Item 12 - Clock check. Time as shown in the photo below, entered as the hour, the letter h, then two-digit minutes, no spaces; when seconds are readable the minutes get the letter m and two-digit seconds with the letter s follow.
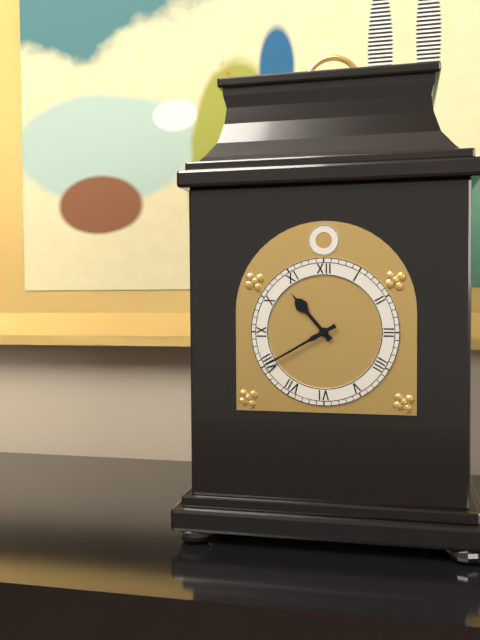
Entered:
10h40
